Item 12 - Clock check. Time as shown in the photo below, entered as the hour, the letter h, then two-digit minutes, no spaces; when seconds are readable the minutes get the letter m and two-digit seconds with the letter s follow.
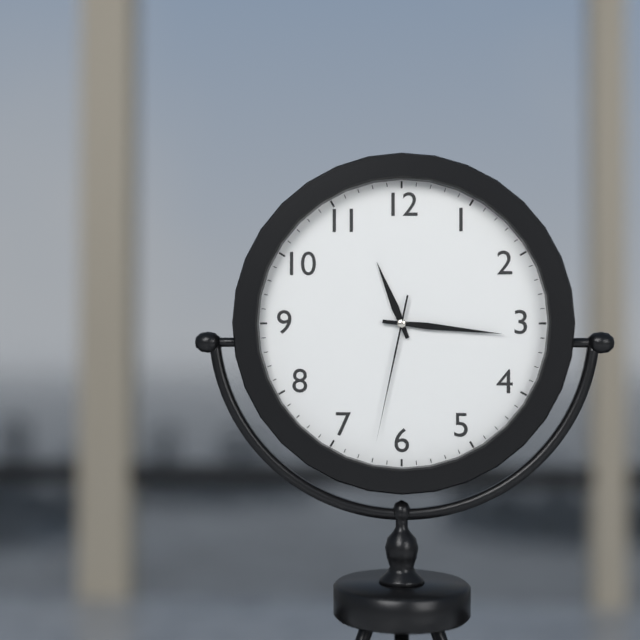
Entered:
11h16m32s
